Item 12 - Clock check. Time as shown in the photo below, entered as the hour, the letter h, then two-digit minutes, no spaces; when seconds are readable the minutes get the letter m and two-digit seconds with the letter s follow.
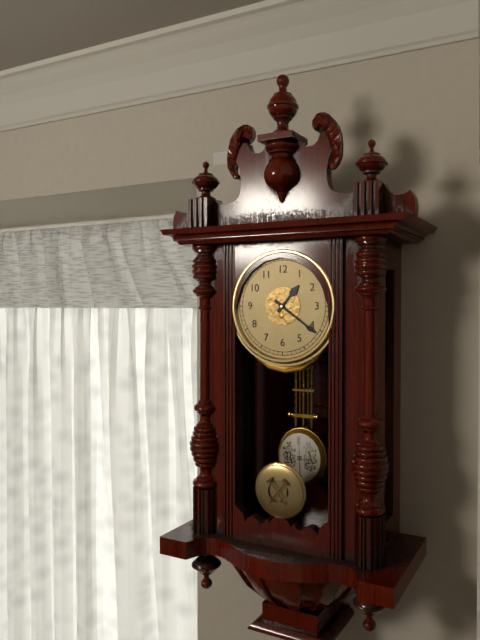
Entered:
1h21
